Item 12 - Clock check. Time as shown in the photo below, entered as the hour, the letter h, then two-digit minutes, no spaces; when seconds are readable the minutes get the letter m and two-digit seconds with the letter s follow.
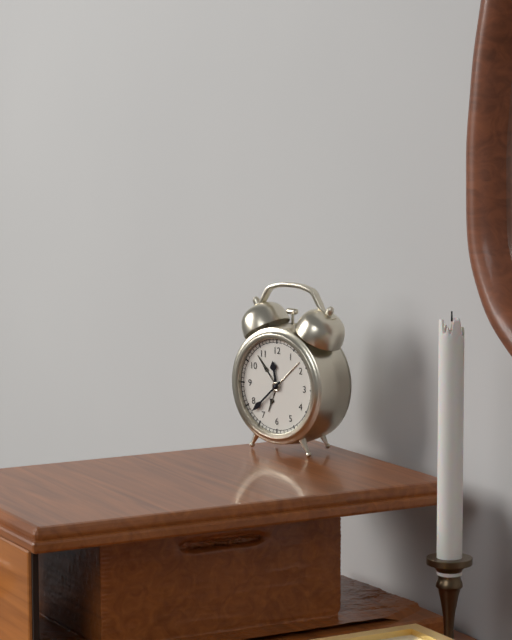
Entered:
11h38
